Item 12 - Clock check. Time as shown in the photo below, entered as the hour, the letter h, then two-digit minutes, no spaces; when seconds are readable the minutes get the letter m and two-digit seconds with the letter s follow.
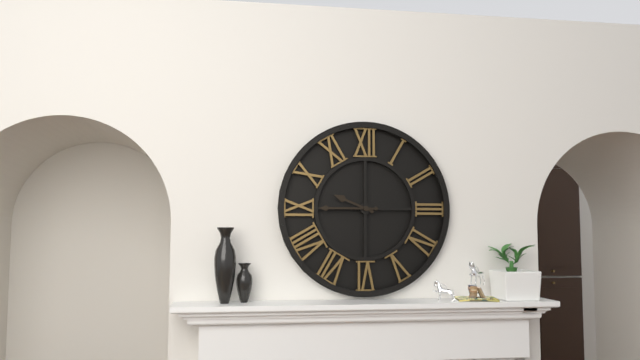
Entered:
9h45
